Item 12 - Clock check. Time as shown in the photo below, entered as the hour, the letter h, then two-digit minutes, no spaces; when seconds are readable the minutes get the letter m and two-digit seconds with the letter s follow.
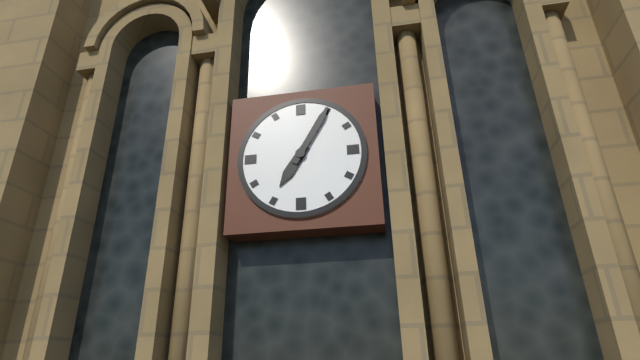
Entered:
7h05
